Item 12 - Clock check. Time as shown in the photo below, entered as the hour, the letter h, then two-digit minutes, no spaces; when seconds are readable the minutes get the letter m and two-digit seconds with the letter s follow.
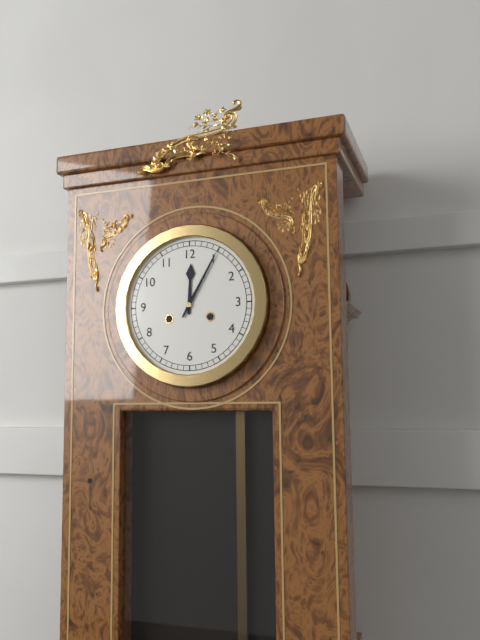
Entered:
12h05
